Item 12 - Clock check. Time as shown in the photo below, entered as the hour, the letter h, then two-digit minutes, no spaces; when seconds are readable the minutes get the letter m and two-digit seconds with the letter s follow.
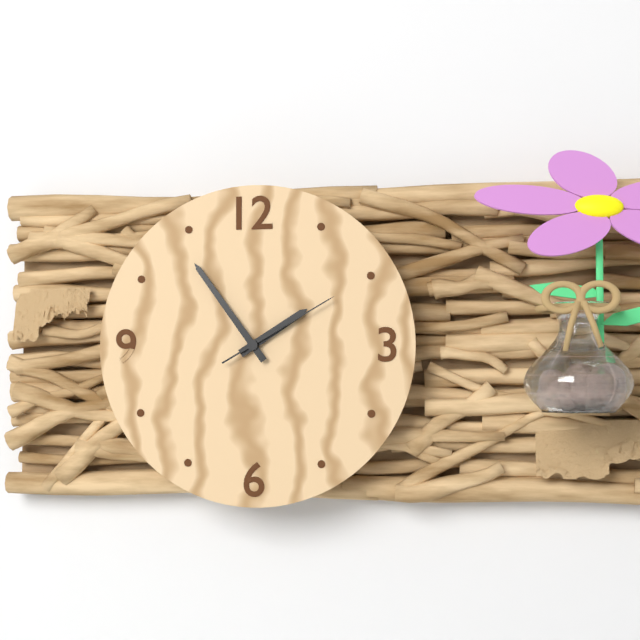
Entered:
1h54m10s
